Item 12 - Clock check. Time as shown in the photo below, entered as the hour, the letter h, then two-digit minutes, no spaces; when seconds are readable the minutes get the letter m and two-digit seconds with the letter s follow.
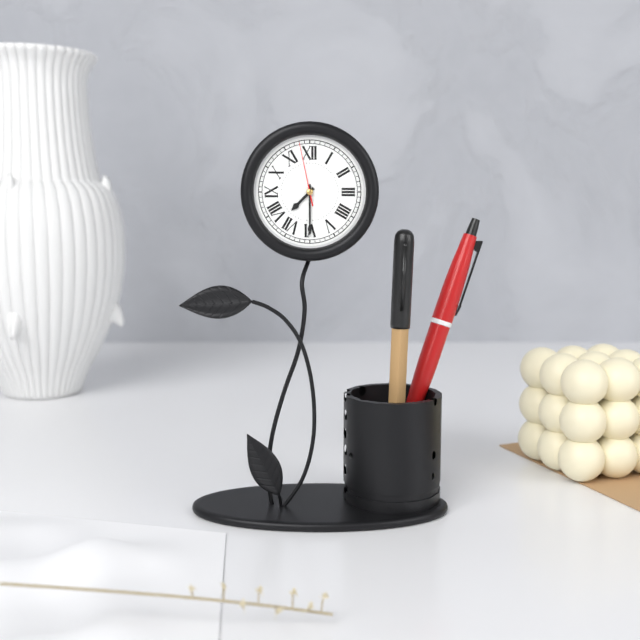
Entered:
7h30m58s
